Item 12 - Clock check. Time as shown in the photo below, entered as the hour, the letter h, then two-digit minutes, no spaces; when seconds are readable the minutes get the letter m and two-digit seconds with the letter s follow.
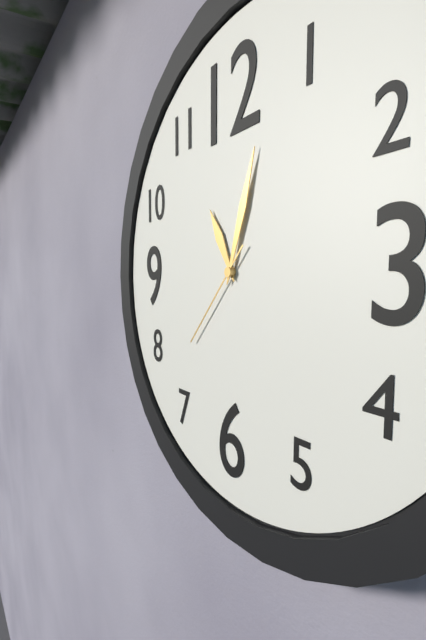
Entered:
11h03m37s
